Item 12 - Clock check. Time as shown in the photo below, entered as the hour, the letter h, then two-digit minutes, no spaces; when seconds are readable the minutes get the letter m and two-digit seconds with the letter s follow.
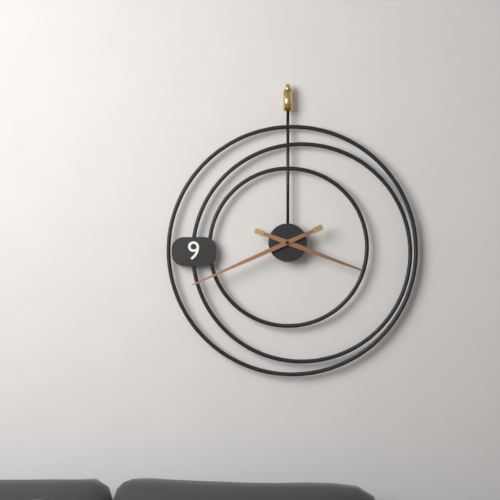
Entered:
3h41
